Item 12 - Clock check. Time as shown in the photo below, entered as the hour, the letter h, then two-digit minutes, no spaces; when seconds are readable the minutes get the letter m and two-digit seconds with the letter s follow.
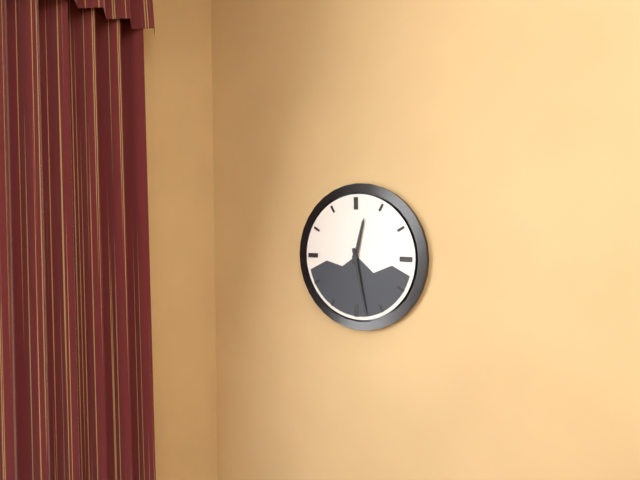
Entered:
12h28
